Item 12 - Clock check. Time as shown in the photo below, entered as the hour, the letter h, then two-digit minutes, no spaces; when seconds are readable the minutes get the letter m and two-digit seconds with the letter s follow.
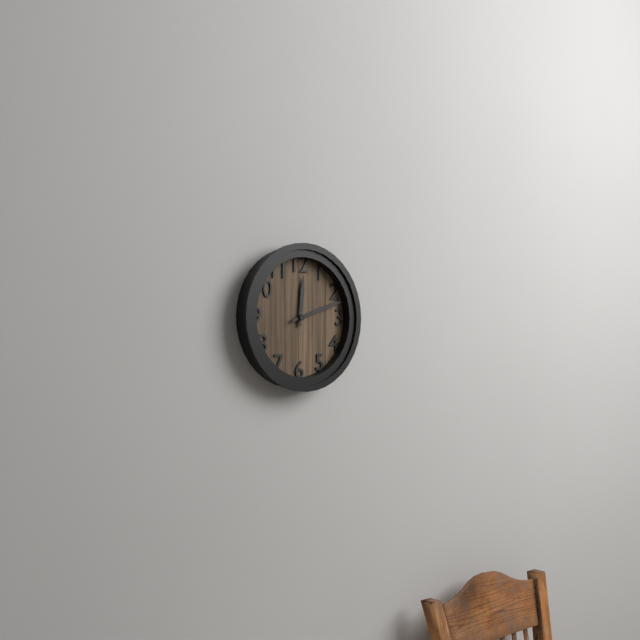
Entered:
12h12
